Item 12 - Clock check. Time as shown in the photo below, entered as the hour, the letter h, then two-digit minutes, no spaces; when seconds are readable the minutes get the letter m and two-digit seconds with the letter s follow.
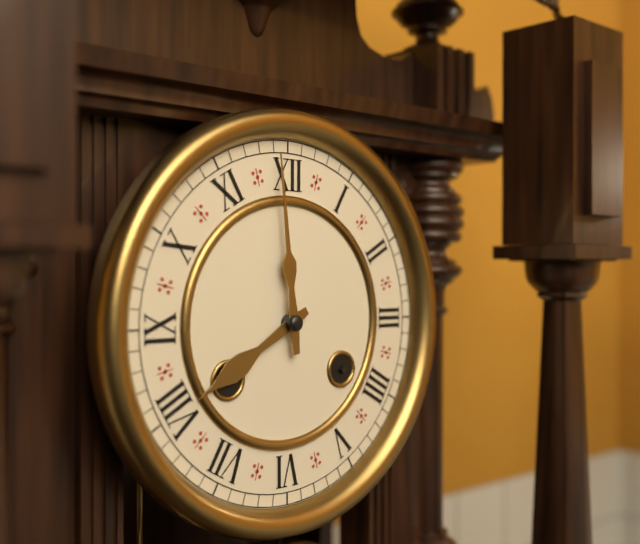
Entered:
7h59
